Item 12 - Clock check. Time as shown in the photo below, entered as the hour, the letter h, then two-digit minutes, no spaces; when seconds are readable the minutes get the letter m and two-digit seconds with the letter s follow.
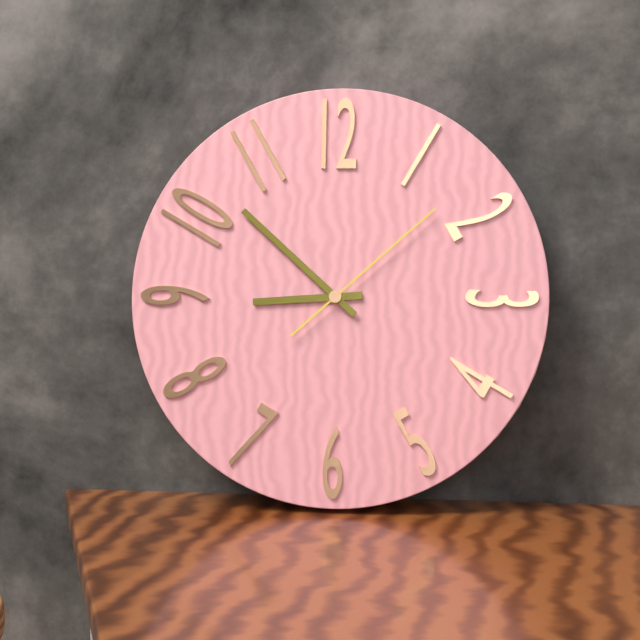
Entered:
8h52m08s
